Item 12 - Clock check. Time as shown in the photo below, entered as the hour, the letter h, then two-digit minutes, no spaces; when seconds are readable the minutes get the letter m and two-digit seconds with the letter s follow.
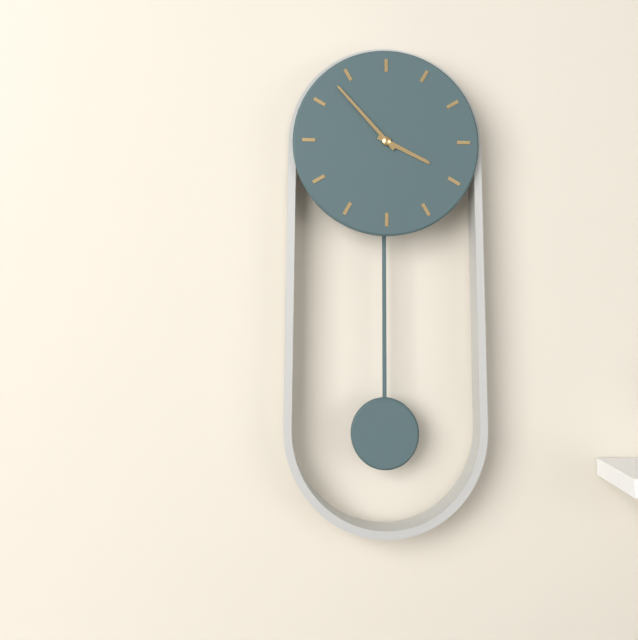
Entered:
3h53
